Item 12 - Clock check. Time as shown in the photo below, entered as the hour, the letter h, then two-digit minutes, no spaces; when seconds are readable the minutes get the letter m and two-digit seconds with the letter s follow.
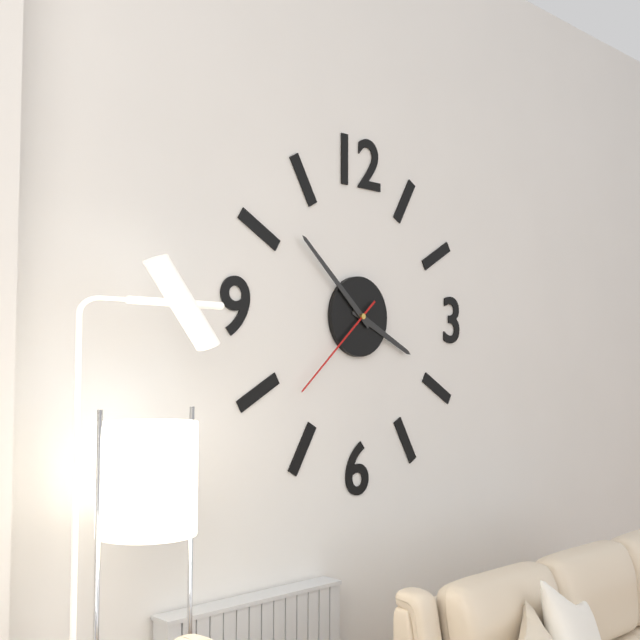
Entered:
3h52m38s
